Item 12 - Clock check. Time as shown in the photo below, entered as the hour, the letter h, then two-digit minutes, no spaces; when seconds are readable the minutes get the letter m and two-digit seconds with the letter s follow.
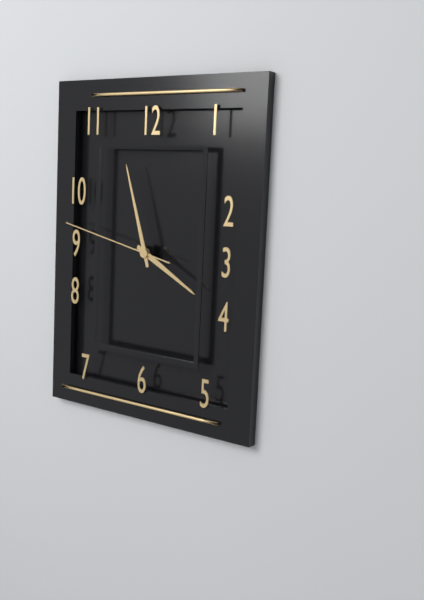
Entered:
3h57m47s
